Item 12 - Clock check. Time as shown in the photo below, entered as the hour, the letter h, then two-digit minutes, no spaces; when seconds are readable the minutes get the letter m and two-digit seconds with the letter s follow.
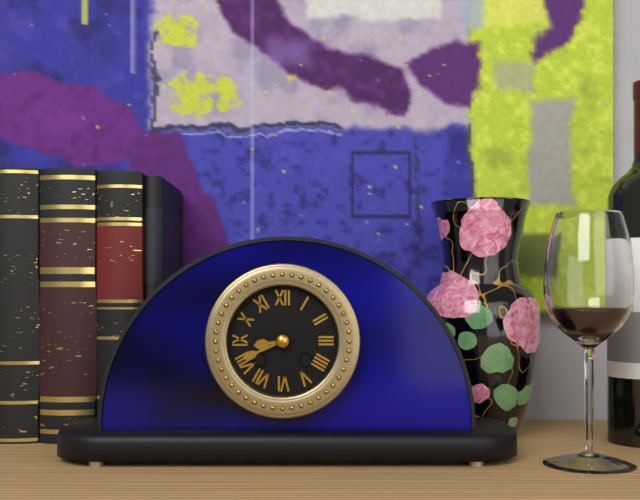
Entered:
8h41
